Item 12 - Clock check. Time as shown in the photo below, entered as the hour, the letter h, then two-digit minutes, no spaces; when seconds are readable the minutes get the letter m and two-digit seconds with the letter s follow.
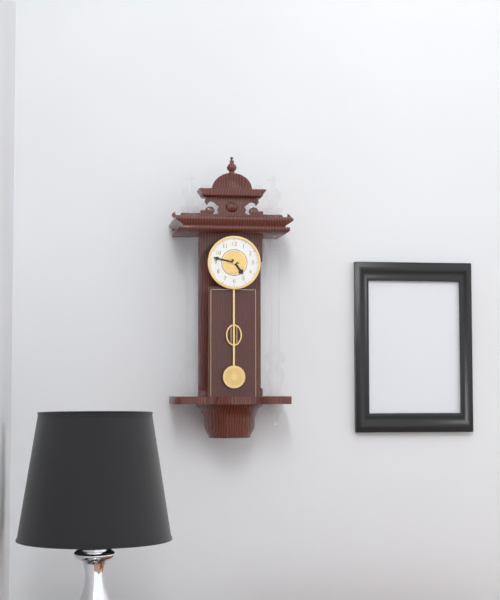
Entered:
4h47
